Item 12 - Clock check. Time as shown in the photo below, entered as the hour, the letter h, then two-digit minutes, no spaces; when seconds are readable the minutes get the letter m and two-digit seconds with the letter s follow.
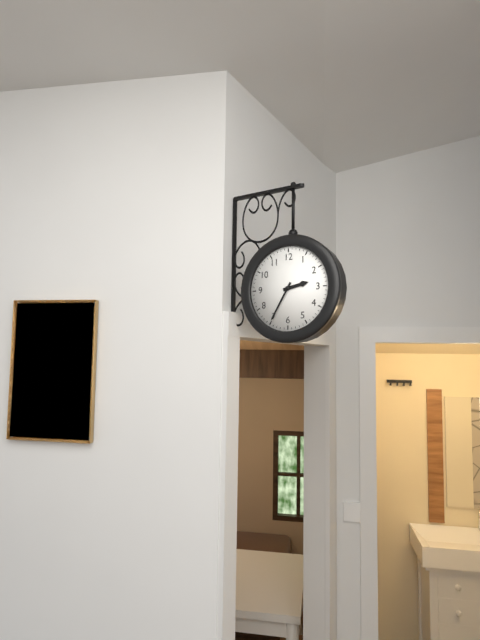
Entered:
2h35
